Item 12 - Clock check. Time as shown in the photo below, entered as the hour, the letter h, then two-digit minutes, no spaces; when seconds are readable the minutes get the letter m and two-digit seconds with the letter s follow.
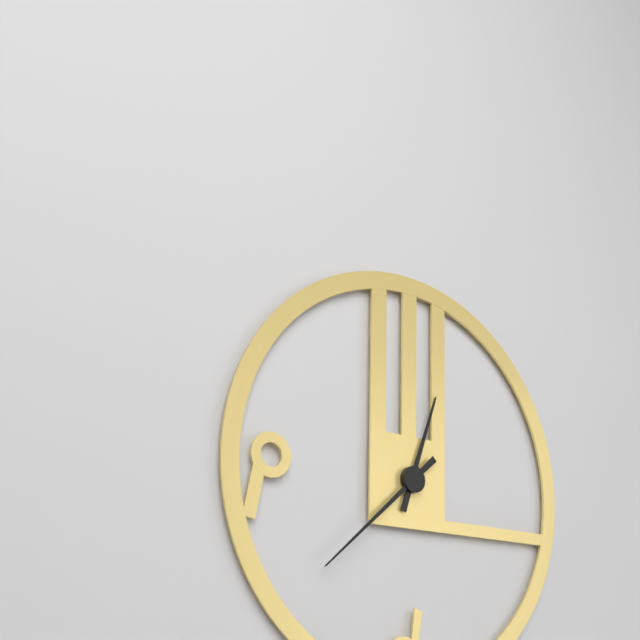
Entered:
12h38
